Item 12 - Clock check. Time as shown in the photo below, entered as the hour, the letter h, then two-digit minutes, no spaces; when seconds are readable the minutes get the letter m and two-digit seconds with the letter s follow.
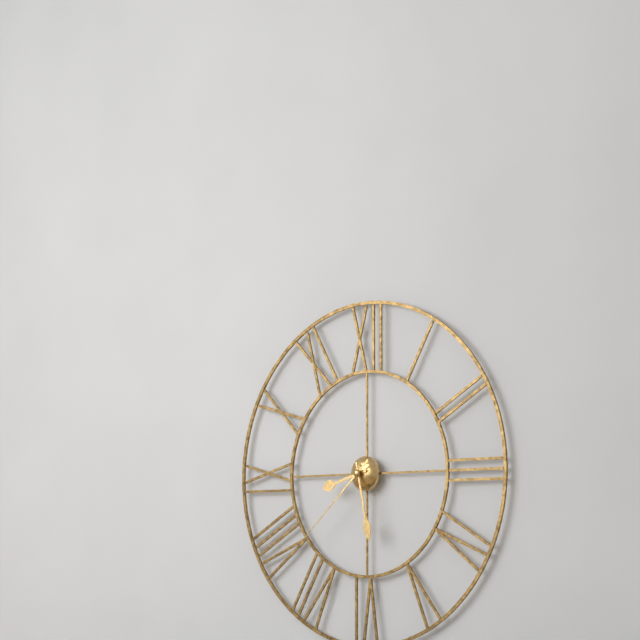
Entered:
8h28m38s
